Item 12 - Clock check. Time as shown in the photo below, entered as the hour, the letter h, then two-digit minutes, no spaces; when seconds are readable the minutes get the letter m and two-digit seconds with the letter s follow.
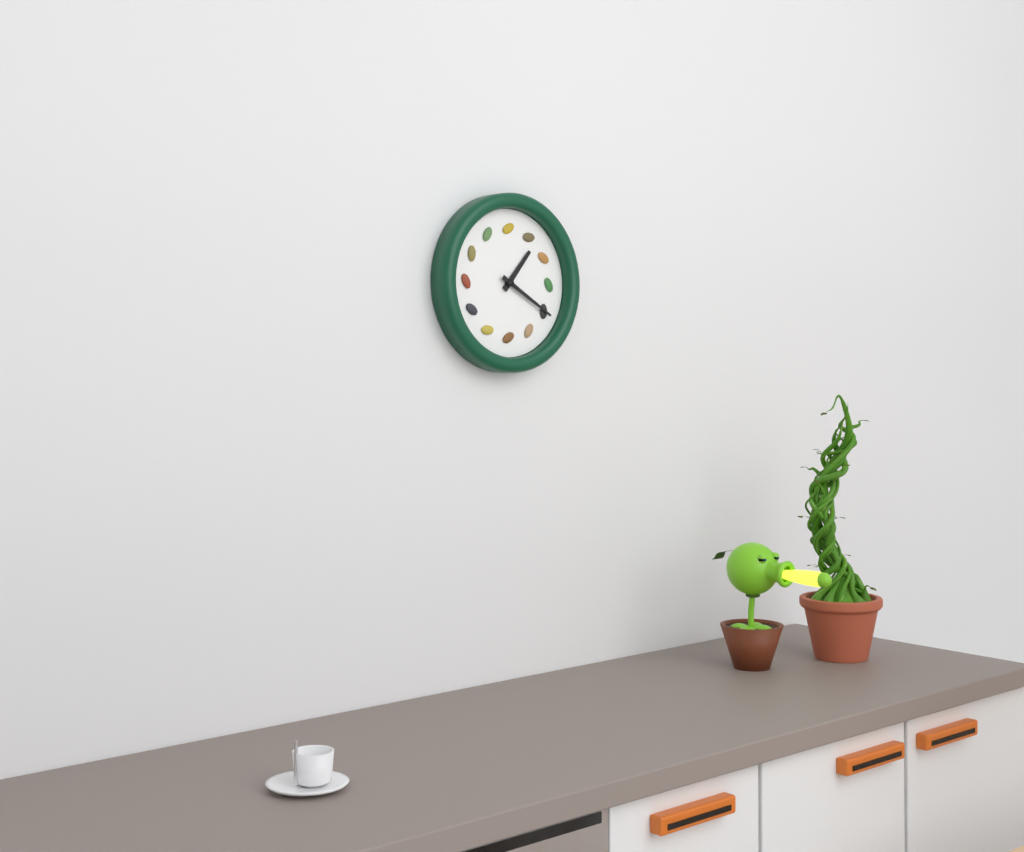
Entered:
1h20
